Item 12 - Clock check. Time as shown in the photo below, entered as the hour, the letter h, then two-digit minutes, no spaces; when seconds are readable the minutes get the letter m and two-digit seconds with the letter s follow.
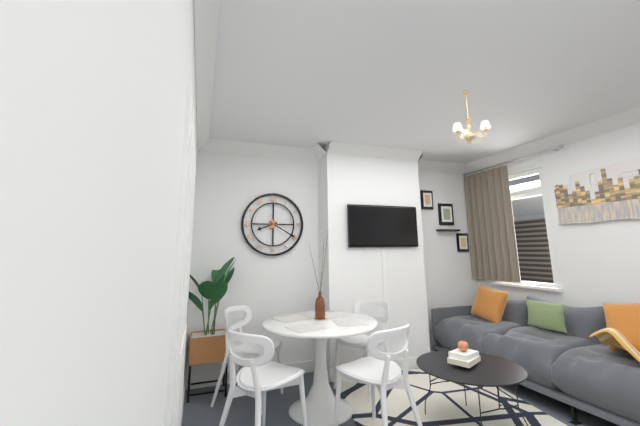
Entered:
8h20
